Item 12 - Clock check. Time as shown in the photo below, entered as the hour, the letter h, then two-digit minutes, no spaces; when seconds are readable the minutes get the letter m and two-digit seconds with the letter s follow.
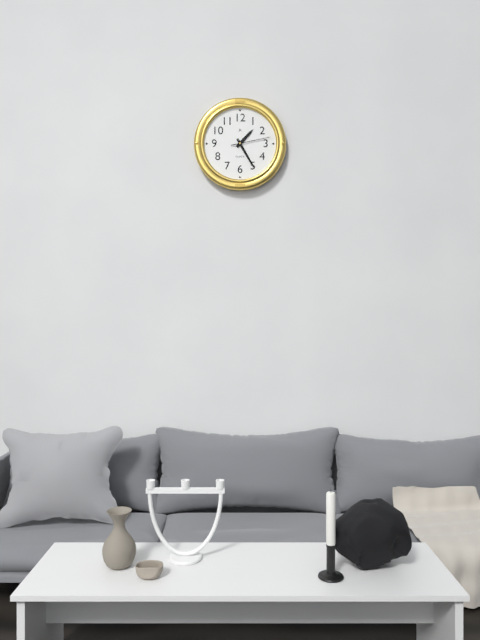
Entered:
1h25
